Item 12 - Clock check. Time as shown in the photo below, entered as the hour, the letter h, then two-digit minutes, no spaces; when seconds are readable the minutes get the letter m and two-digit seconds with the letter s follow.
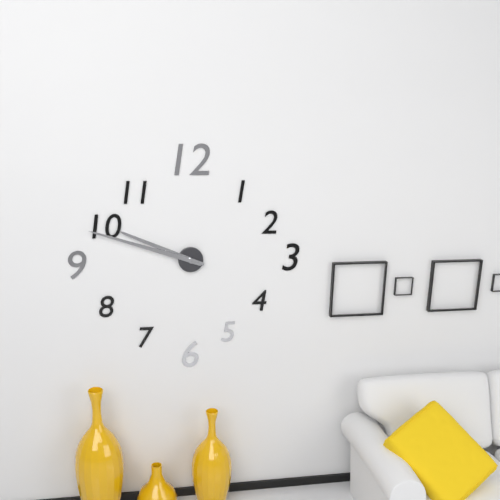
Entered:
9h48
